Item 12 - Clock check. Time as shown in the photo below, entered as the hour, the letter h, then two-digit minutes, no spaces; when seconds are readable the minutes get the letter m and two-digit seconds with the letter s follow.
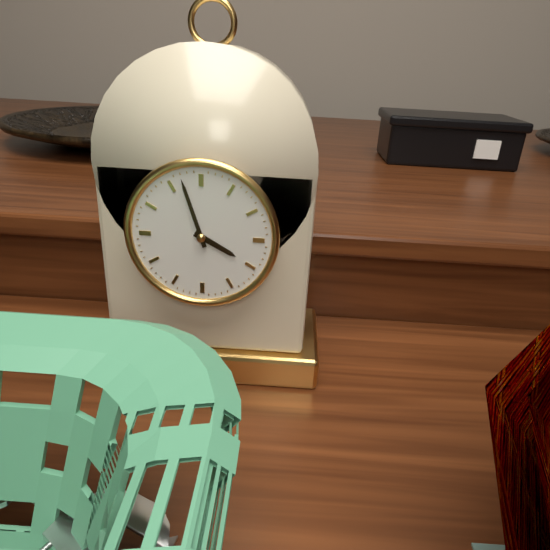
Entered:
3h57
